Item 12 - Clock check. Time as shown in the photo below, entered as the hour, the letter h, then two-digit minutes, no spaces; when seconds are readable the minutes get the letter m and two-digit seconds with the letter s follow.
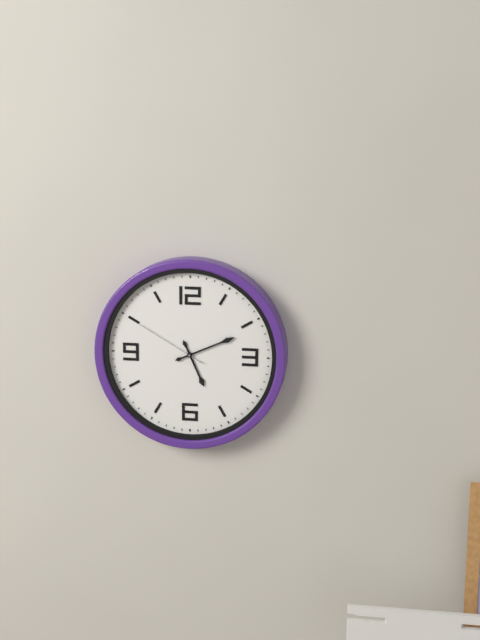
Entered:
5h11m50s
